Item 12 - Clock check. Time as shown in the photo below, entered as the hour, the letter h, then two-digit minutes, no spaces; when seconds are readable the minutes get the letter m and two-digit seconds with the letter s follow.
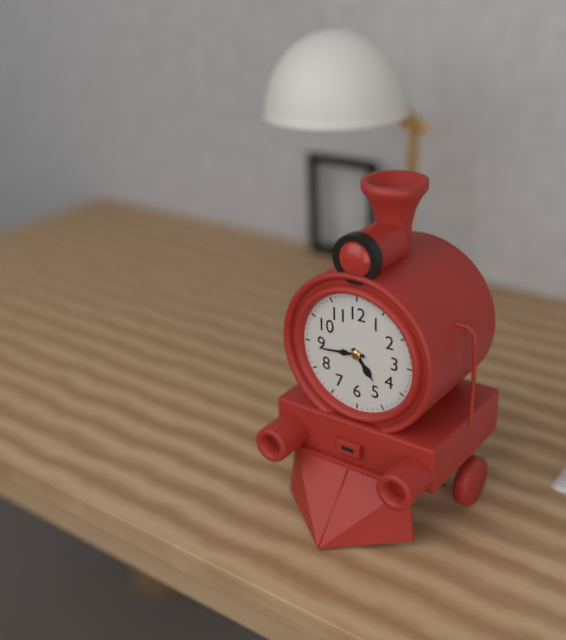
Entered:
4h44
